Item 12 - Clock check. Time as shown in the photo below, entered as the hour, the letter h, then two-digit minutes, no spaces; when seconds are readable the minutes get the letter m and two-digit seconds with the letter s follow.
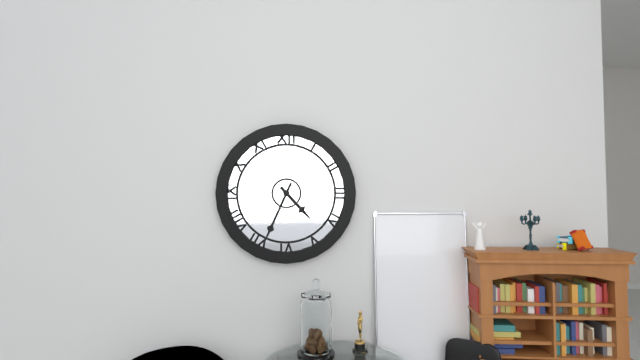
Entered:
4h34
